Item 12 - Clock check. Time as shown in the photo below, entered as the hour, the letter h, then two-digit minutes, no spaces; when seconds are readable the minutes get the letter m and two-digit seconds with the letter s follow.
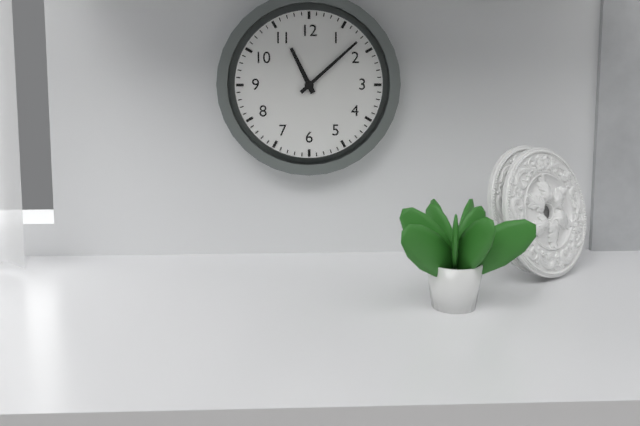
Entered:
11h08
